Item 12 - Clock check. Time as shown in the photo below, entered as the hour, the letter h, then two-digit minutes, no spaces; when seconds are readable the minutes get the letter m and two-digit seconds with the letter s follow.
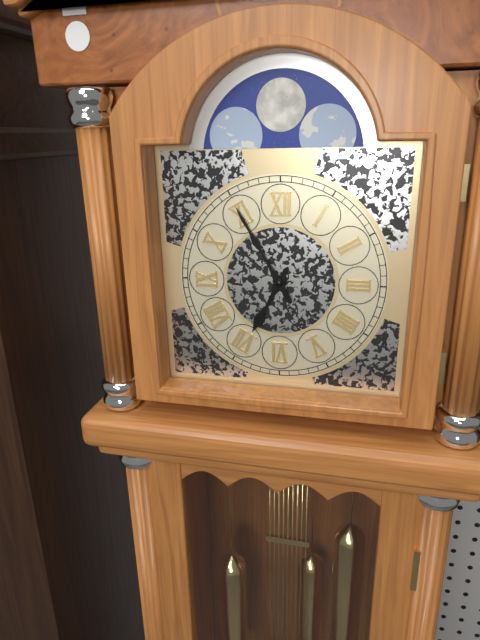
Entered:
6h55
